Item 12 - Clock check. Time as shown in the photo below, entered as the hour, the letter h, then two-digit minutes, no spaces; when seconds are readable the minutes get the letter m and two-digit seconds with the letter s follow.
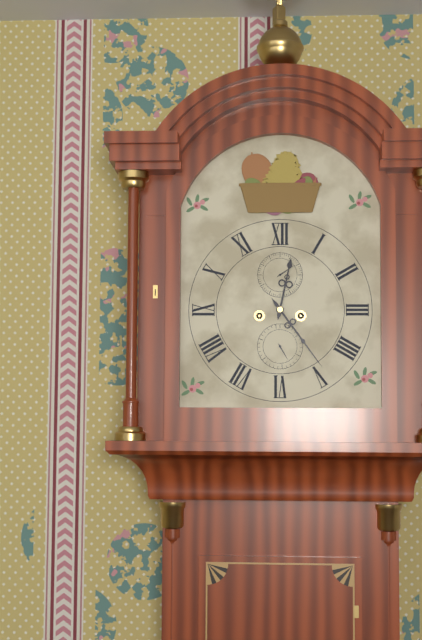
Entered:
12h24
